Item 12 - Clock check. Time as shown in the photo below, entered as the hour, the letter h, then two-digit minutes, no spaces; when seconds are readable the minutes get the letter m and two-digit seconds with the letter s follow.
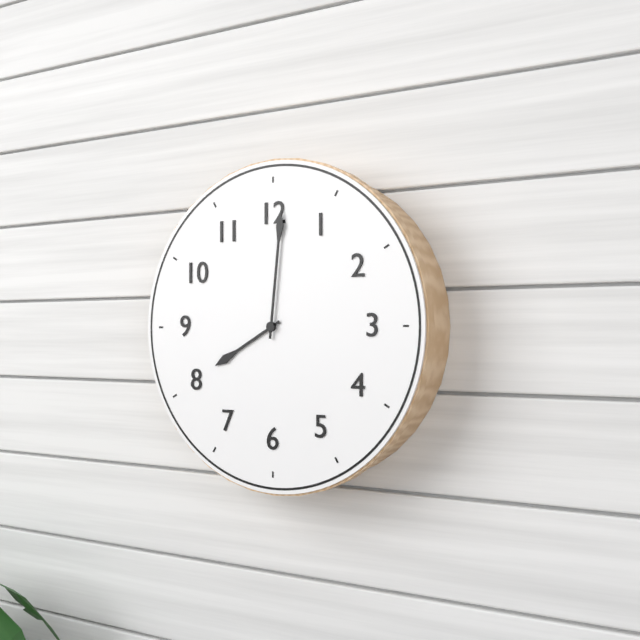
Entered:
8h01
